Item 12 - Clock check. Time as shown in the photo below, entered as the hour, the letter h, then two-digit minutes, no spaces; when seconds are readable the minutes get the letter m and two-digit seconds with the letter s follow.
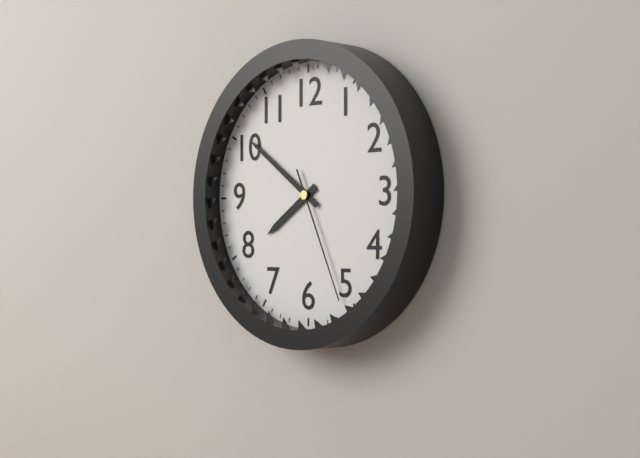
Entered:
7h51m26s
